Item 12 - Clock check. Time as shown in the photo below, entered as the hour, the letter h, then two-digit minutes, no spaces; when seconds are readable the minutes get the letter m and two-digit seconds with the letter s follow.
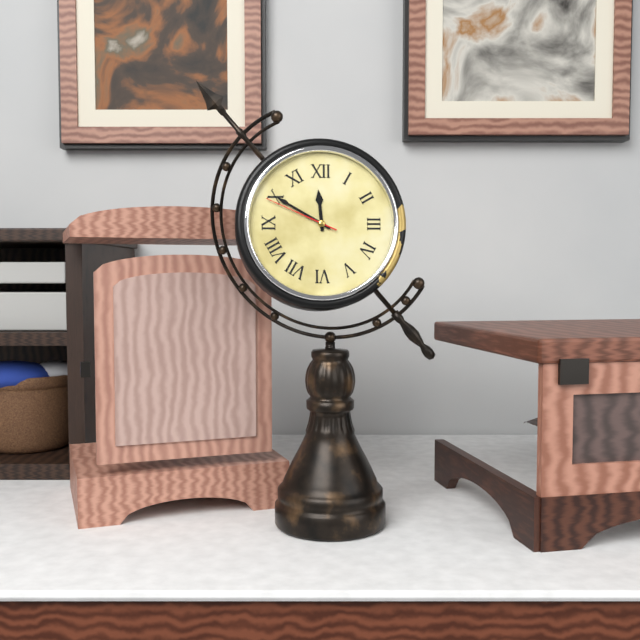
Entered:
11h50m49s
